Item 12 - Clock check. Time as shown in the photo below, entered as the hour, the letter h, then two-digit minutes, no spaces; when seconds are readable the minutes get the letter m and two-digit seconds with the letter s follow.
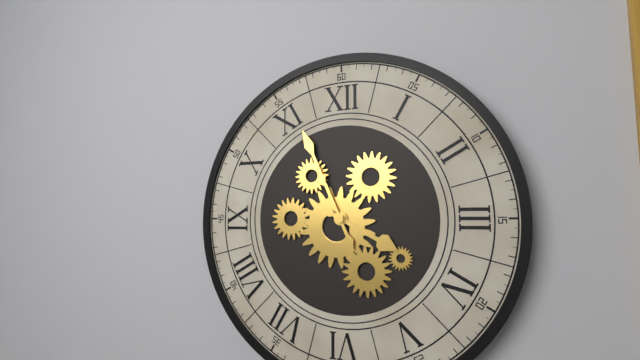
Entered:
3h56
